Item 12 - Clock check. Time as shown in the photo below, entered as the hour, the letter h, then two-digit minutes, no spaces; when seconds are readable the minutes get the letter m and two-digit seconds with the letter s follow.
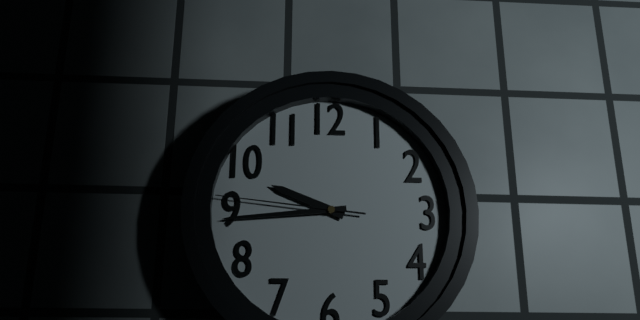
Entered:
9h44m46s
